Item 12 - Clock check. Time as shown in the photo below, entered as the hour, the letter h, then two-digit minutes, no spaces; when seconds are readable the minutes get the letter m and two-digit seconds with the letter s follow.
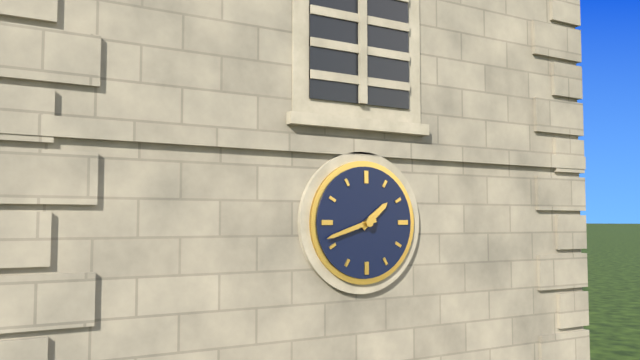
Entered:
1h42
